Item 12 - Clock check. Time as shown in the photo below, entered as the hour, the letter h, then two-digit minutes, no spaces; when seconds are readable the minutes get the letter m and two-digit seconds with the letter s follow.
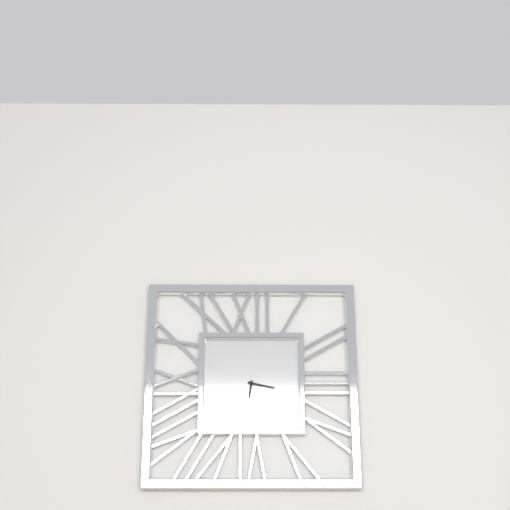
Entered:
6h17
